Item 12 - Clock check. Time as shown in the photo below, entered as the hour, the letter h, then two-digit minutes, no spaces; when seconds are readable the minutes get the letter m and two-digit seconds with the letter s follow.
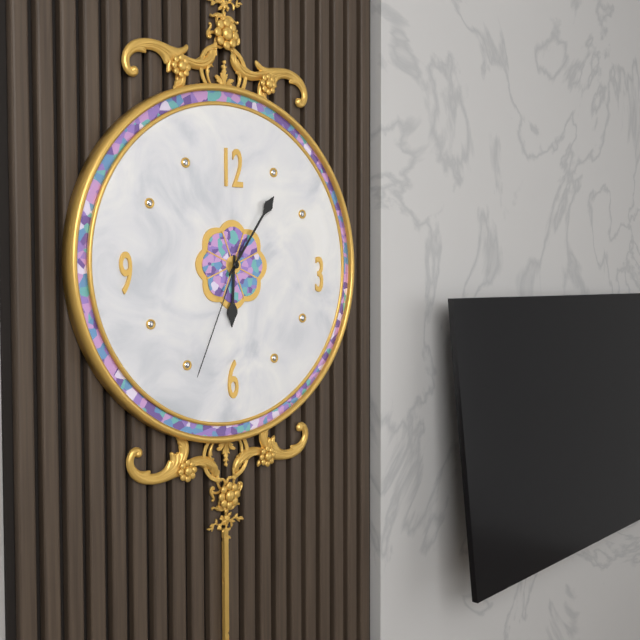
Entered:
6h06m34s
